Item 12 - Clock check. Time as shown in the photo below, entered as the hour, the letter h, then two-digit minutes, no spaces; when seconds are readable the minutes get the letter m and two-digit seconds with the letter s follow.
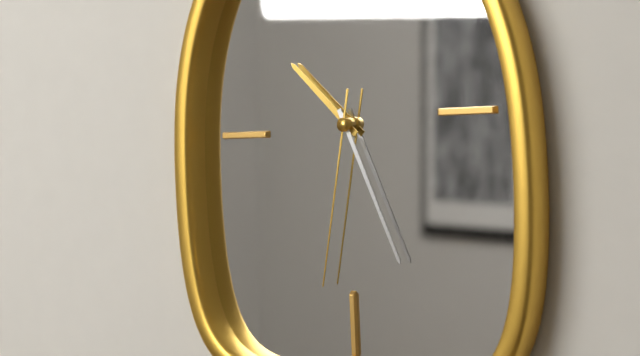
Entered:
10h26m32s
